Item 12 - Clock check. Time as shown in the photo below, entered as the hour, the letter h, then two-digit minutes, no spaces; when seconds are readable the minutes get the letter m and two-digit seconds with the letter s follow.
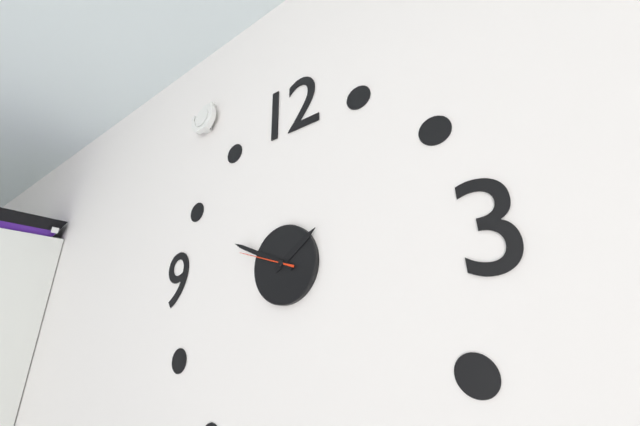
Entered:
1h49m48s
